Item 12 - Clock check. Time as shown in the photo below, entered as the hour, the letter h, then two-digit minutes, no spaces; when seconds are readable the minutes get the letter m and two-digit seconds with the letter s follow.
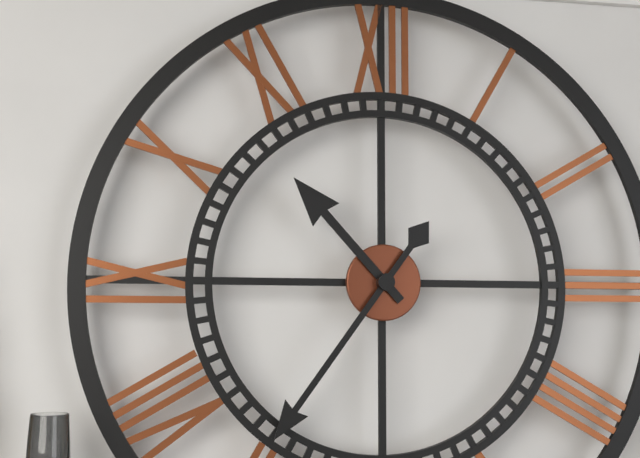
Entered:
10h36
